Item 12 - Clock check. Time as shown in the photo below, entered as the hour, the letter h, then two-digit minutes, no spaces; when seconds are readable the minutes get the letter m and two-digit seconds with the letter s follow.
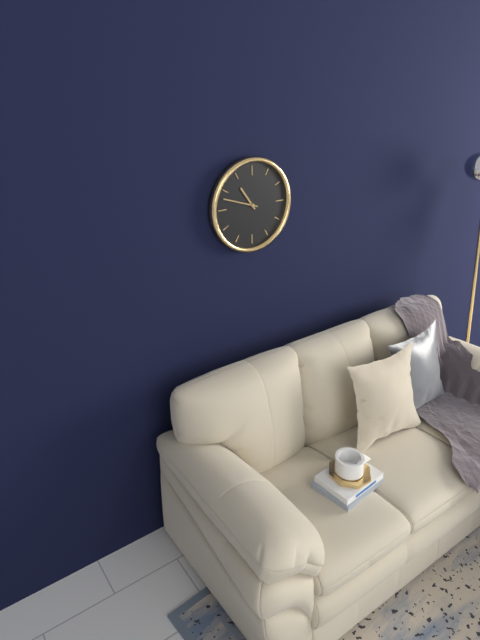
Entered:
10h48
